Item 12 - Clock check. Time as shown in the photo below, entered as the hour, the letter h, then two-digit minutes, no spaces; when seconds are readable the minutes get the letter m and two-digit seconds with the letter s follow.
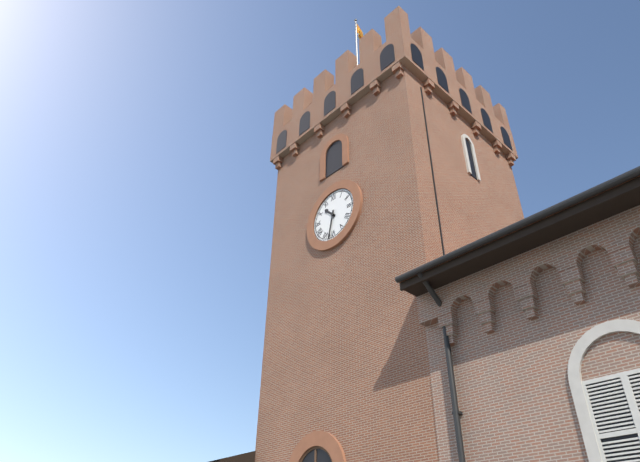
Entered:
10h32
